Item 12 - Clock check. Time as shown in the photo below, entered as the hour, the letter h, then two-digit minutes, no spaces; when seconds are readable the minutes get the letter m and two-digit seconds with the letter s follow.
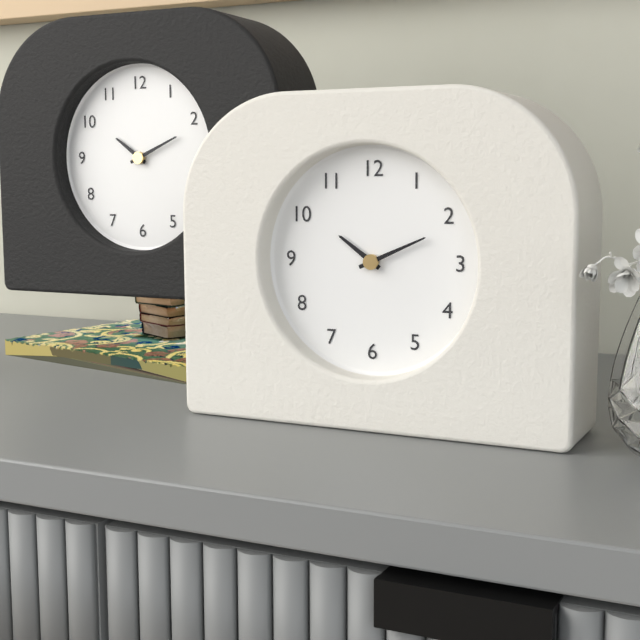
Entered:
10h11
